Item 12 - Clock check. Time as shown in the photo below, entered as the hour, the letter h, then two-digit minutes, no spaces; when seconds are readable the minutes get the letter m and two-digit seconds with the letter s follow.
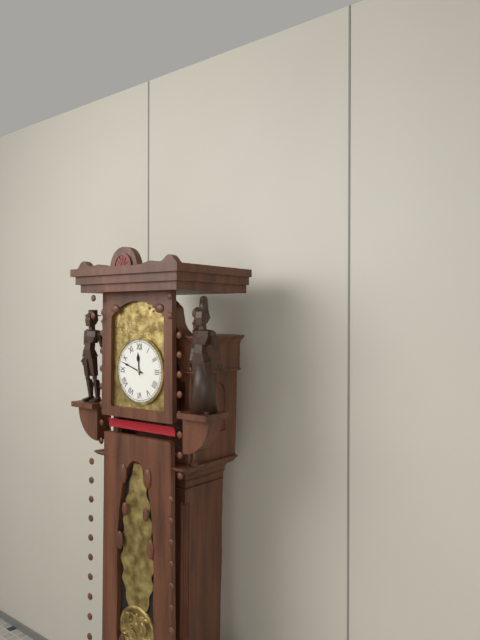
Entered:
11h48
